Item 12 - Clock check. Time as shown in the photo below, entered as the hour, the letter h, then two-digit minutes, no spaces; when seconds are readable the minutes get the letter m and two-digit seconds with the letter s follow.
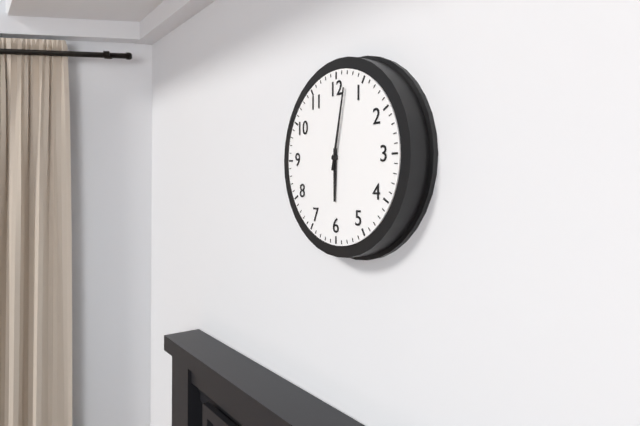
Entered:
6h02
